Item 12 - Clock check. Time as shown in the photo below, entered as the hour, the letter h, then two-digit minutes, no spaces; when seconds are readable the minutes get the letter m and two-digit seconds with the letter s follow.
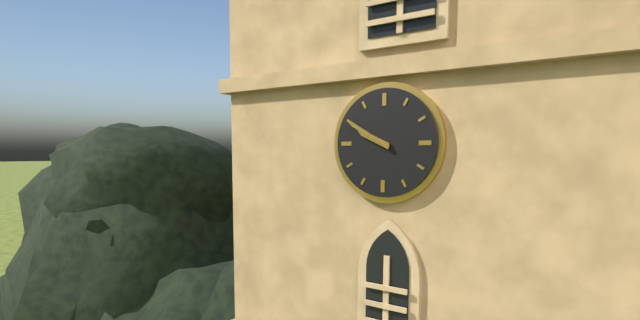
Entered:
9h50
